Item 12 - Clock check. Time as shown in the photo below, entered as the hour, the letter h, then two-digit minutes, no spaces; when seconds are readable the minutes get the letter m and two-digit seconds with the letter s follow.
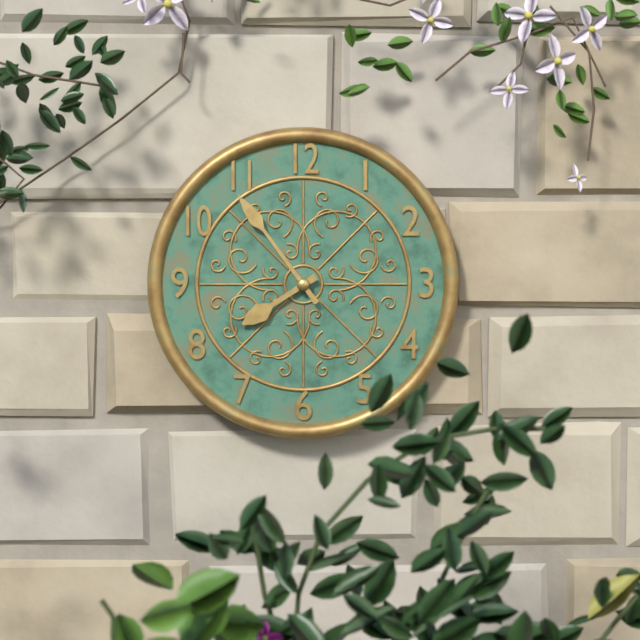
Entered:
7h54
